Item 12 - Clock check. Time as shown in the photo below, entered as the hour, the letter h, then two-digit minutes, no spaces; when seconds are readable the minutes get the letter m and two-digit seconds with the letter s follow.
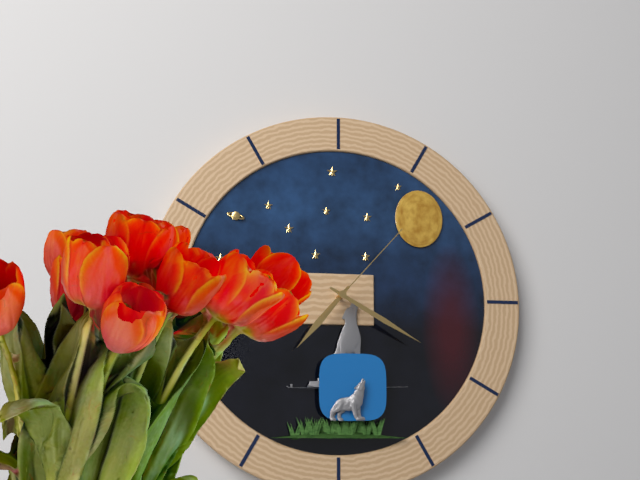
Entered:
7h20m07s
